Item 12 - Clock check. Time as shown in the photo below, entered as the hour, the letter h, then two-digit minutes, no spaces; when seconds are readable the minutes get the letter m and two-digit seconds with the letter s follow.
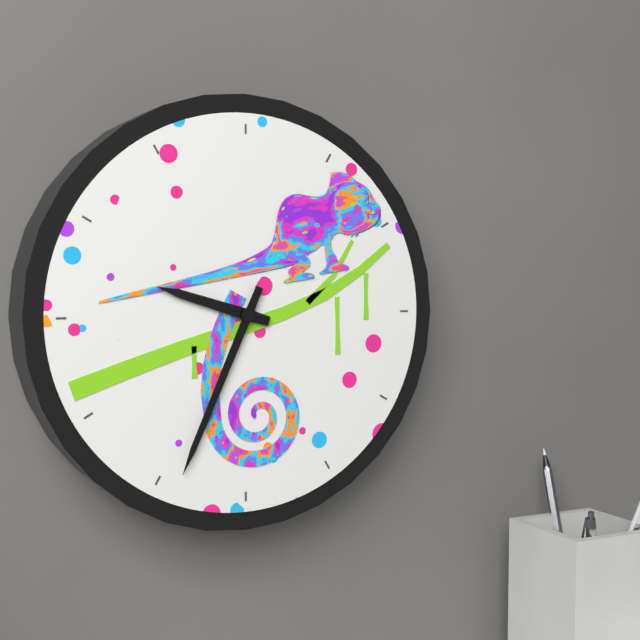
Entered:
9h34
